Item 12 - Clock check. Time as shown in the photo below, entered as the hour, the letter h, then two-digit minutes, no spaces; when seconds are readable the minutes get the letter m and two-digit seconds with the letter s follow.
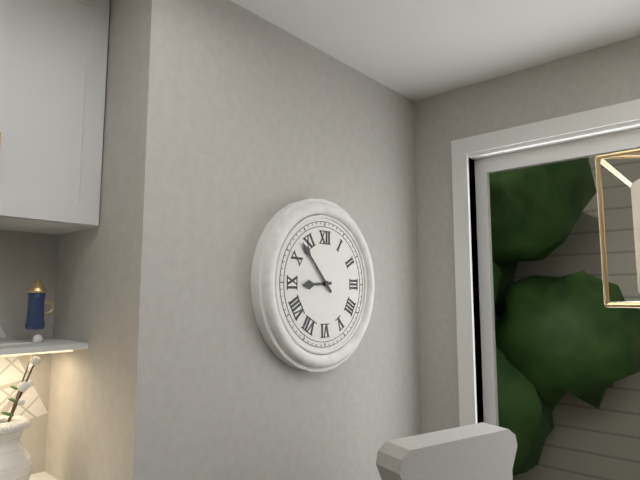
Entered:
8h53
